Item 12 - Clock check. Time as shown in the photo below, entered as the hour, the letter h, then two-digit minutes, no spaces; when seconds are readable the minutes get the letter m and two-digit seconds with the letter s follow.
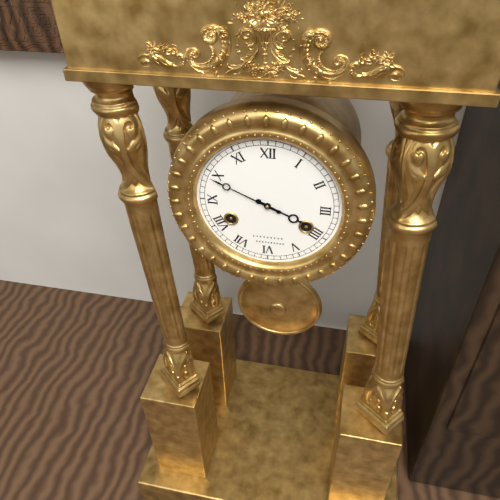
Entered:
3h49
